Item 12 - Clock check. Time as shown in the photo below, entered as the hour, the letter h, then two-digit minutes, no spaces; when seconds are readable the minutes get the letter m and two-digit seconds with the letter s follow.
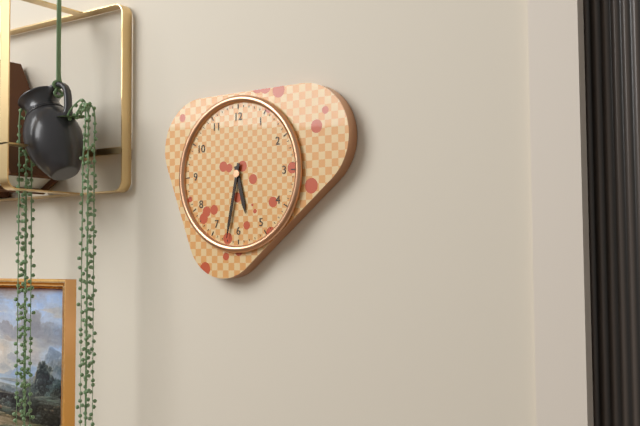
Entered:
5h32
